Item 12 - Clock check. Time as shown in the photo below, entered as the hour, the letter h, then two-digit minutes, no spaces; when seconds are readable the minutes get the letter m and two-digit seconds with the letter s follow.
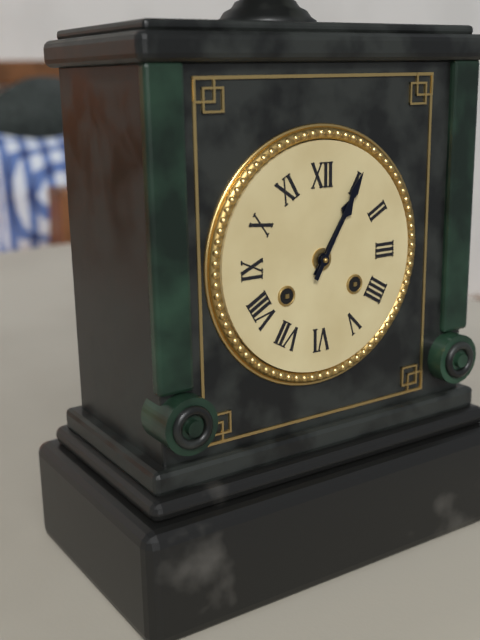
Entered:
1h05
